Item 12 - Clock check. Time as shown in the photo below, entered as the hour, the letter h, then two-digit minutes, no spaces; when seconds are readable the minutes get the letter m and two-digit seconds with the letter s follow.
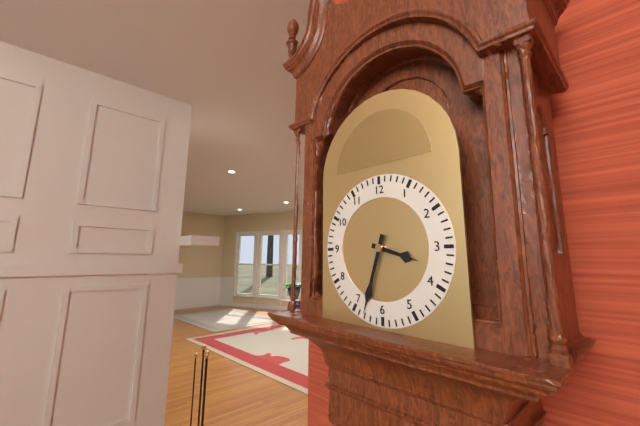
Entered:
3h33
